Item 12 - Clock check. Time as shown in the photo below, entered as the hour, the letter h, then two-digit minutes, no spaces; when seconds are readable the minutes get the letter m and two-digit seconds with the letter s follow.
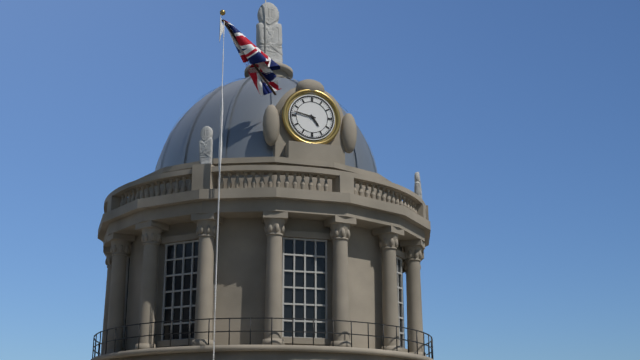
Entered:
4h47
